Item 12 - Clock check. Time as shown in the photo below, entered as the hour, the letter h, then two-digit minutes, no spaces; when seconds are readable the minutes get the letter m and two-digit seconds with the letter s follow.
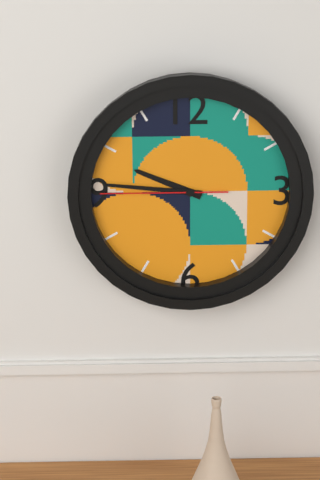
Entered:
9h46m45s
